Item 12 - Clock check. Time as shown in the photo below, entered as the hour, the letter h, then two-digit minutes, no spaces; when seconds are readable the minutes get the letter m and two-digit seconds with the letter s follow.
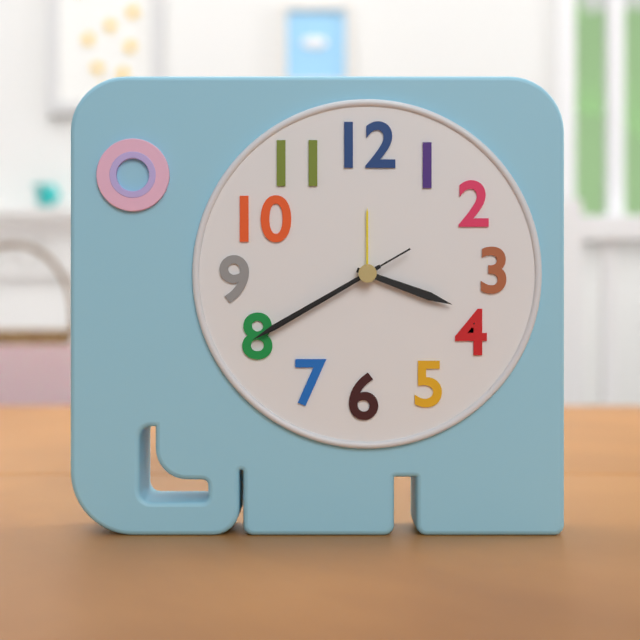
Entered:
3h40m40s
